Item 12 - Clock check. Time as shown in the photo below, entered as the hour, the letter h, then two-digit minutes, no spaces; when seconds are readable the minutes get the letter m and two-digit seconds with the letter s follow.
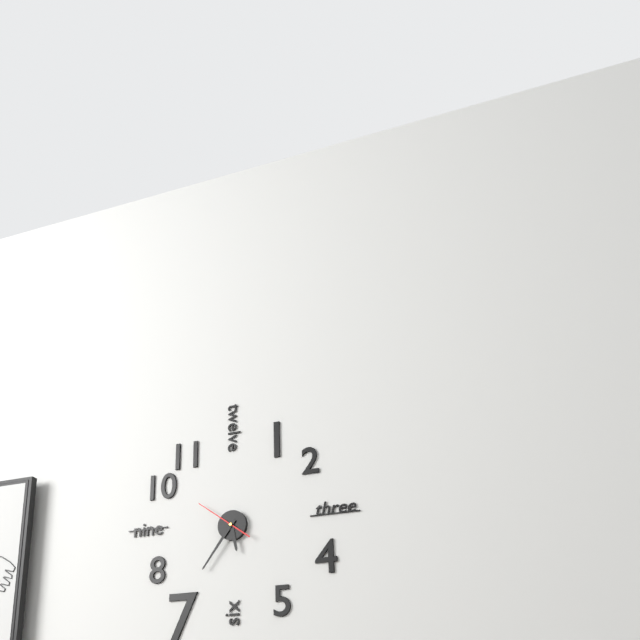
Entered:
5h36m51s
